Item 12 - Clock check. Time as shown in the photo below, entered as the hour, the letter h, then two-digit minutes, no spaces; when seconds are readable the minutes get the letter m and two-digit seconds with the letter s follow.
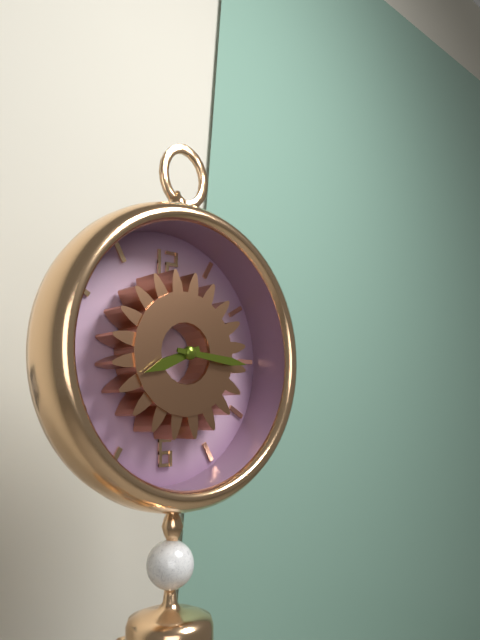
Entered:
8h16
